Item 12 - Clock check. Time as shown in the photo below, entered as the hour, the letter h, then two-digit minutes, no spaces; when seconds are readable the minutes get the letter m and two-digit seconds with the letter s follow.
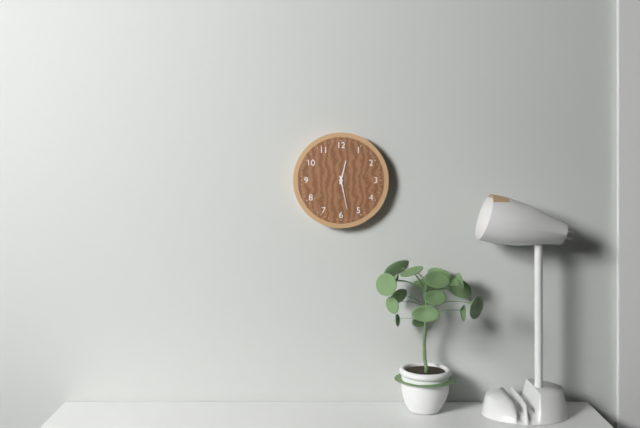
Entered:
12h28
